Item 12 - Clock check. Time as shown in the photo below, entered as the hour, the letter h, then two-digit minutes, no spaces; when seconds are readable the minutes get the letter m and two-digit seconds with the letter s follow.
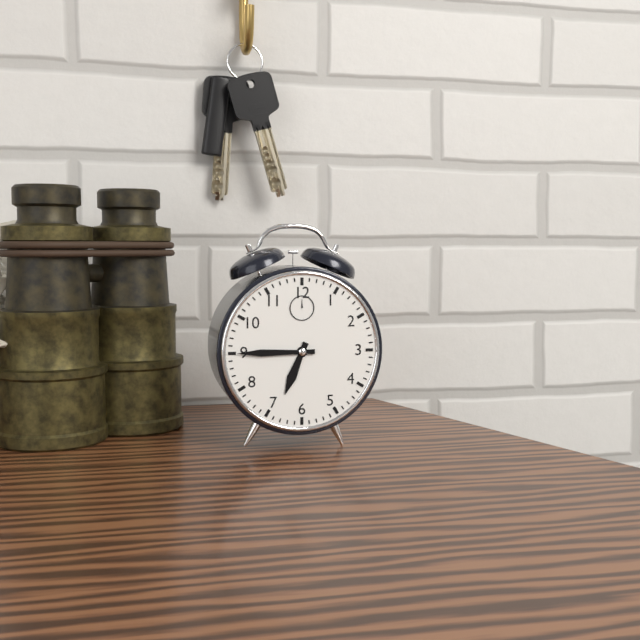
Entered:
6h45
